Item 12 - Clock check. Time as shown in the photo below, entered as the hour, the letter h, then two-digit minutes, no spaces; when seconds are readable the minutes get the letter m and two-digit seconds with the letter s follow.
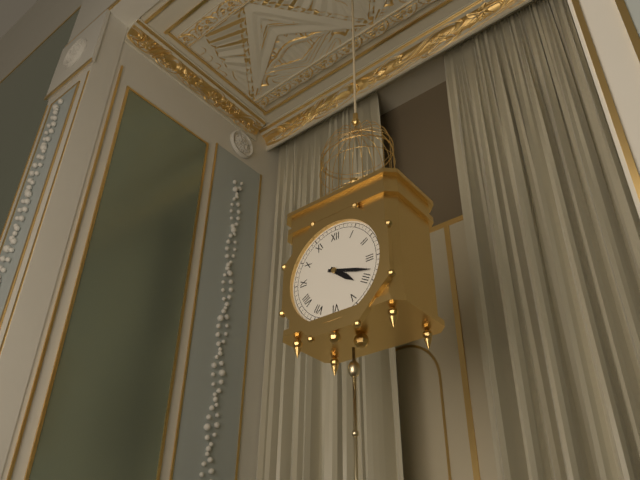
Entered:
4h18
